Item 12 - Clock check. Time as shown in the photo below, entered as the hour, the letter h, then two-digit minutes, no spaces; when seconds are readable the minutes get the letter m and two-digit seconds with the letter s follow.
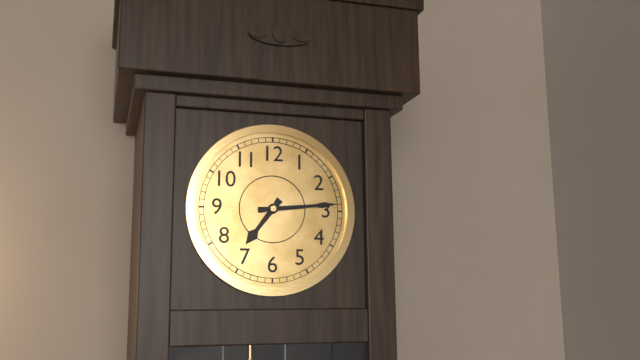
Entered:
7h14
